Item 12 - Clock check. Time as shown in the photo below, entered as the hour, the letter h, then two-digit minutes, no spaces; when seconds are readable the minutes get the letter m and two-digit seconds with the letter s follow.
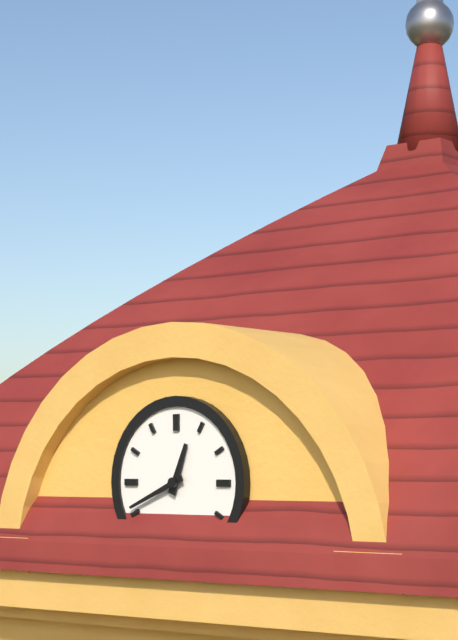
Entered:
12h41
